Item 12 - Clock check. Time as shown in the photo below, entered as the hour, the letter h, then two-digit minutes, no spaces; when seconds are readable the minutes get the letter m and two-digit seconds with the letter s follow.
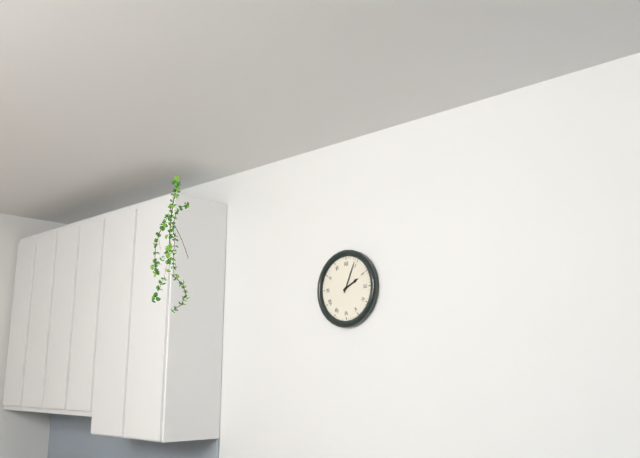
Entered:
2h04
